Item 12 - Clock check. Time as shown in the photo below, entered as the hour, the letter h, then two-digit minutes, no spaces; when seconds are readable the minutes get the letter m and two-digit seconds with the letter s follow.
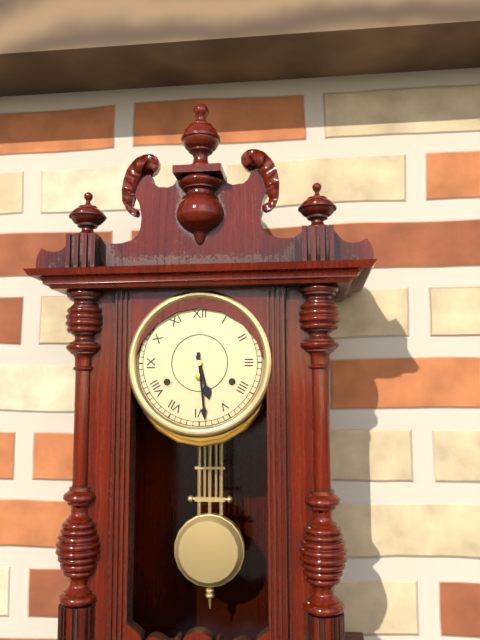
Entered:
5h29
